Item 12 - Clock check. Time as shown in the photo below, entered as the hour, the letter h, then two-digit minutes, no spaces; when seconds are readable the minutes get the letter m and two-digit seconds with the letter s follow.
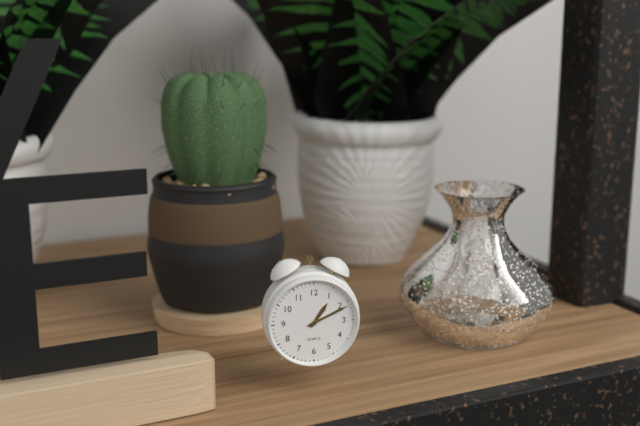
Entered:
1h11
